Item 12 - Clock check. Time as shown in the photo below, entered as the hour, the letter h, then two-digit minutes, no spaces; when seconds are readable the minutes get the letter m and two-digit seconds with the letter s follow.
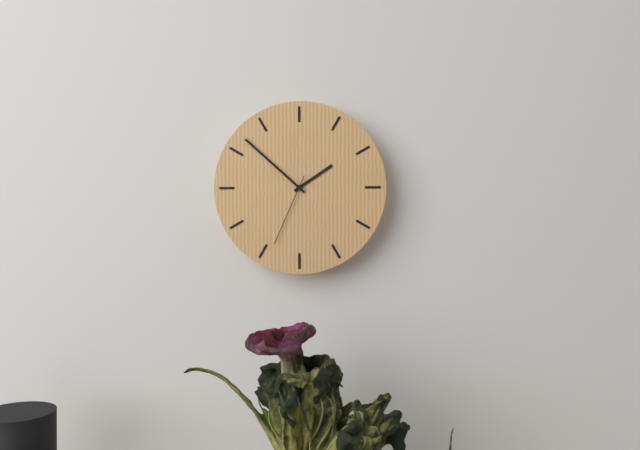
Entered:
1h52m34s
